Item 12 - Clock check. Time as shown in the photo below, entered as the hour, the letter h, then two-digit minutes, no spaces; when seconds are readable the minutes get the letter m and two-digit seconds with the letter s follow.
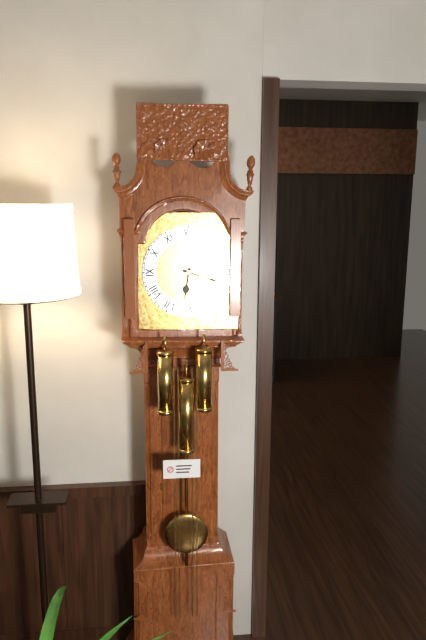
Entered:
6h18
